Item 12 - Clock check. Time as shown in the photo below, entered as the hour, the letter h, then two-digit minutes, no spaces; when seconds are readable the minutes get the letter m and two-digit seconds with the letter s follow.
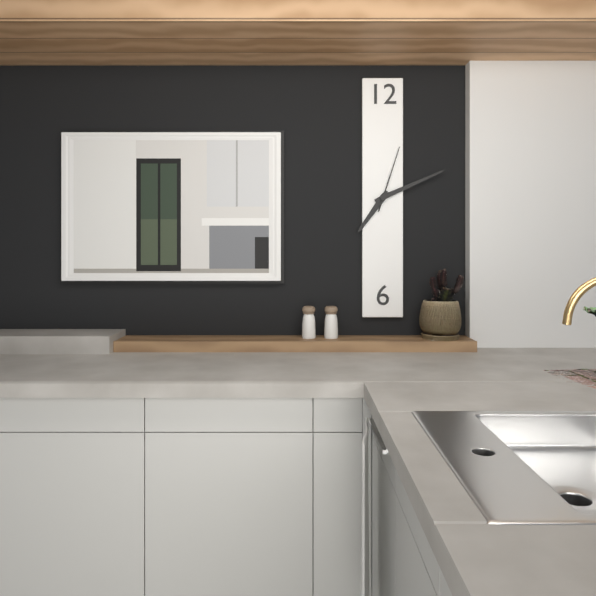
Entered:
7h11m03s
